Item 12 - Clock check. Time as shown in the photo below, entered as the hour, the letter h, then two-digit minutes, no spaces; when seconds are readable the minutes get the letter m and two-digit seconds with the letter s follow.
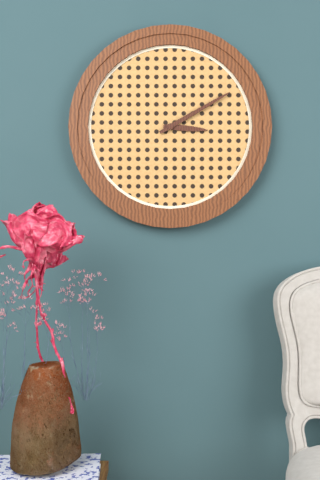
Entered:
3h10
